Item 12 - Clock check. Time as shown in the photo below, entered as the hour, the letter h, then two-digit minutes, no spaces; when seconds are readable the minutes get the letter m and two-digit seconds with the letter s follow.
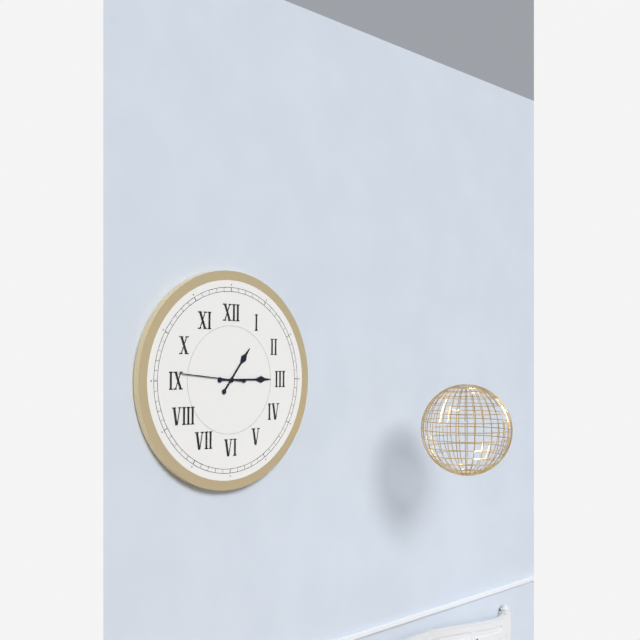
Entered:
1h15m46s
